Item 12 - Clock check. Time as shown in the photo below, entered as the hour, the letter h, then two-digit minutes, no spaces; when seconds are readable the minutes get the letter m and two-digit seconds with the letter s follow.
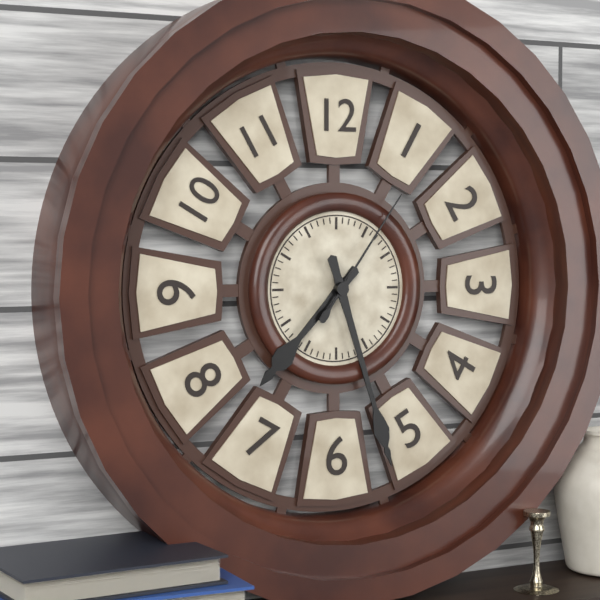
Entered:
7h27m06s
